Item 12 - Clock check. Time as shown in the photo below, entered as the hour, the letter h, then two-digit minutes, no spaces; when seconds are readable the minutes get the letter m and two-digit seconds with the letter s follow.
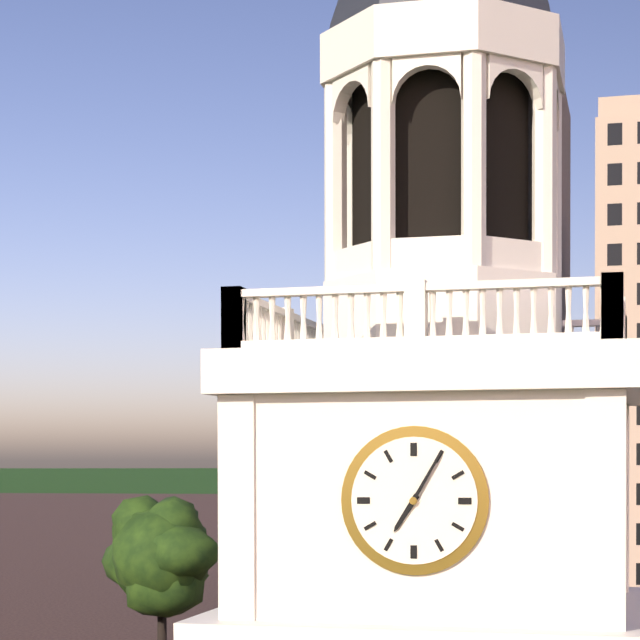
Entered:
7h05
